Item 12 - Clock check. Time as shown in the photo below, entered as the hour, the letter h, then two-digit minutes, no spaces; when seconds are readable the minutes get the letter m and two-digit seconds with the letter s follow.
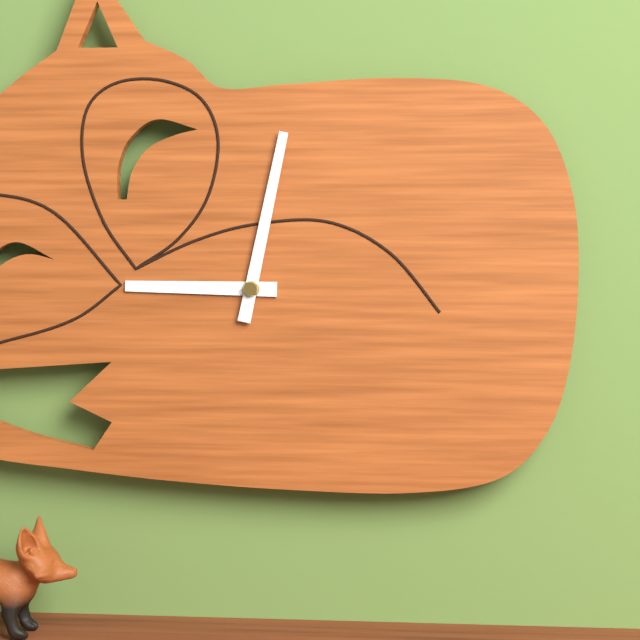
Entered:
9h02
